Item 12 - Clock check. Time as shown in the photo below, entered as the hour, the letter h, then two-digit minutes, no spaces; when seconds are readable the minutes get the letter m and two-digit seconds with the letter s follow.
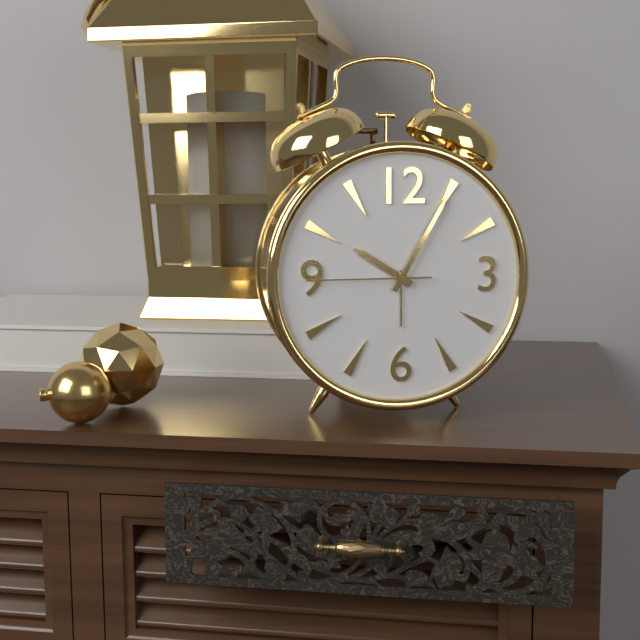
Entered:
10h05m45s
